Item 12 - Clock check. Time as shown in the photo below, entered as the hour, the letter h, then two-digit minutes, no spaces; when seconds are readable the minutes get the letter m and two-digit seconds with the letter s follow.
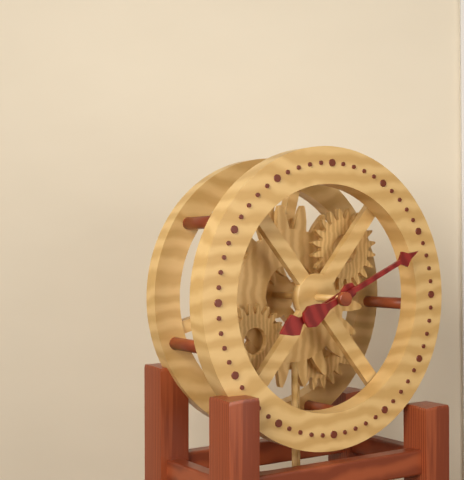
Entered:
8h11
